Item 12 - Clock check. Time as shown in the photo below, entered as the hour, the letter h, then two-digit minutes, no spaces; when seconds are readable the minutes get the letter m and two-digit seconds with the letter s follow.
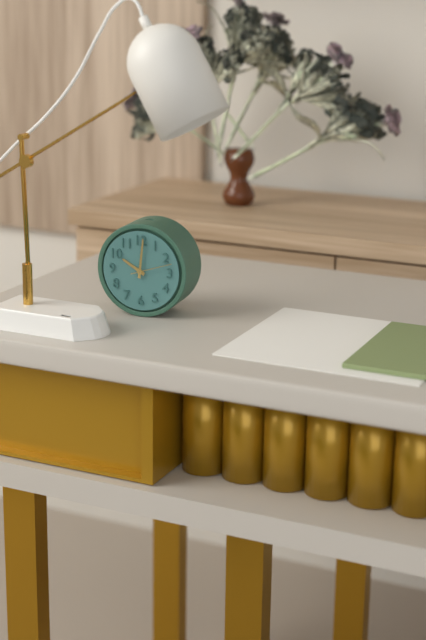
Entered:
10h01
